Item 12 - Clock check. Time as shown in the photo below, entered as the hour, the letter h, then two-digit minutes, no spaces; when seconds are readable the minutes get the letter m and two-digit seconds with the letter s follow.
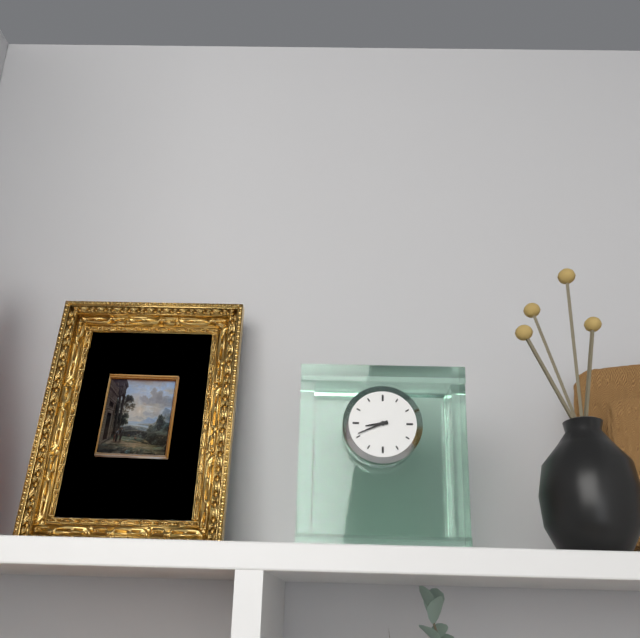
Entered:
8h41
